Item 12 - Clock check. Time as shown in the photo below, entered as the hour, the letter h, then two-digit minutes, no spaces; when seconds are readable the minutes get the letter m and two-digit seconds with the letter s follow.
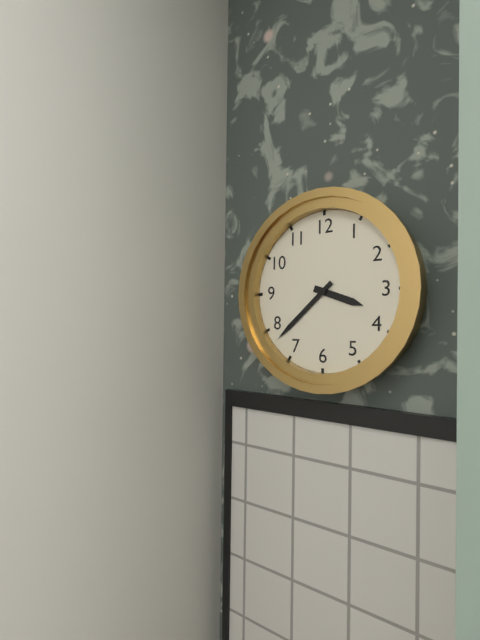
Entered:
3h38
